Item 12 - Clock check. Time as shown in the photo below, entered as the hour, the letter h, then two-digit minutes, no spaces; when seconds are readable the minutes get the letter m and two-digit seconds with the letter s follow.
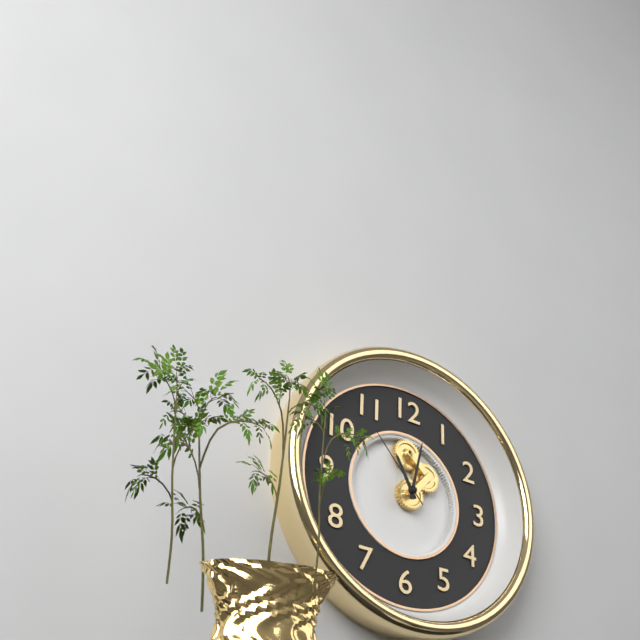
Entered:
11h02m53s
